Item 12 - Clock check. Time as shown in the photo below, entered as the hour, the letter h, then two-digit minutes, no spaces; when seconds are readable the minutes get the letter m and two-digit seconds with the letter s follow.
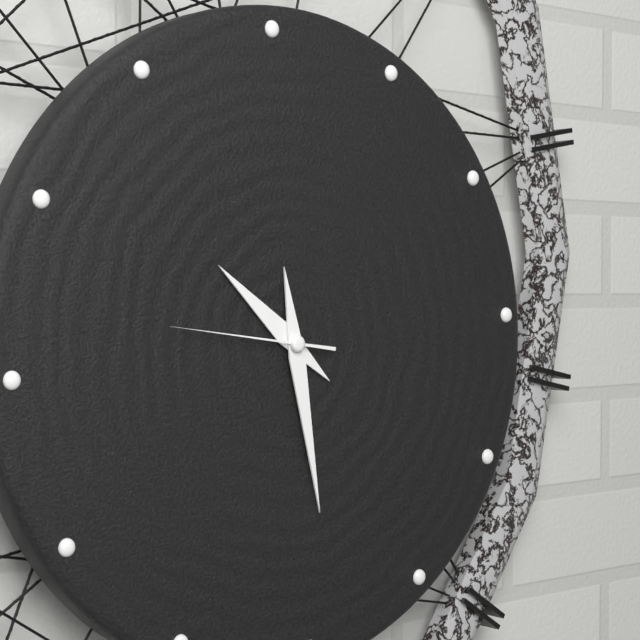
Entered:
10h29m47s
